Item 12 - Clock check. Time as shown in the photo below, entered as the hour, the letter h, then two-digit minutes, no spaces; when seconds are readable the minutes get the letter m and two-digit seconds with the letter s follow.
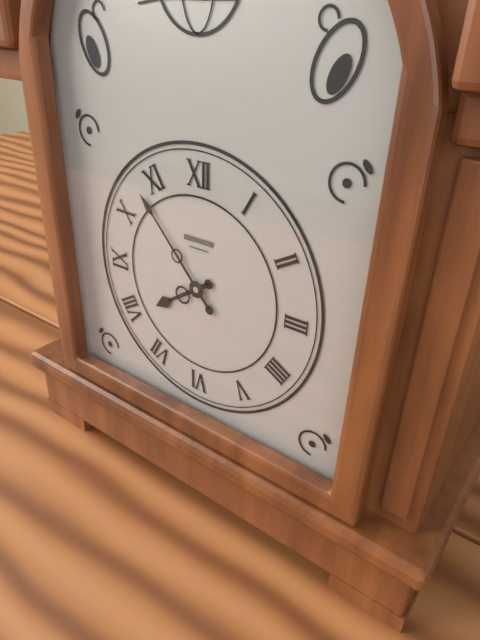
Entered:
7h53
